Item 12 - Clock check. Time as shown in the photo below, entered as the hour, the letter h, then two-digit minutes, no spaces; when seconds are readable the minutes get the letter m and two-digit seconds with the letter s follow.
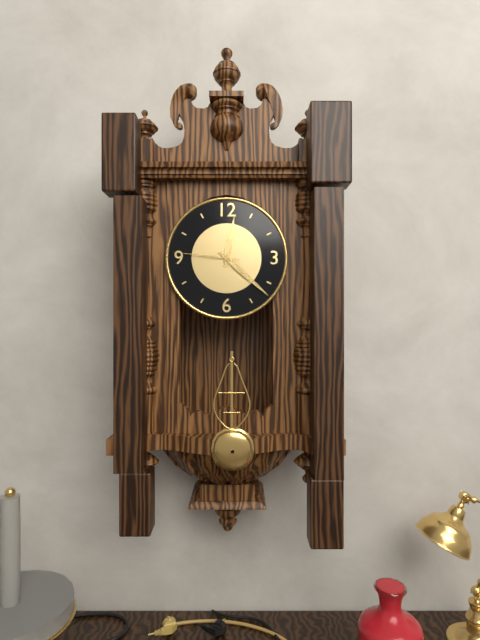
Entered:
12h22m46s
